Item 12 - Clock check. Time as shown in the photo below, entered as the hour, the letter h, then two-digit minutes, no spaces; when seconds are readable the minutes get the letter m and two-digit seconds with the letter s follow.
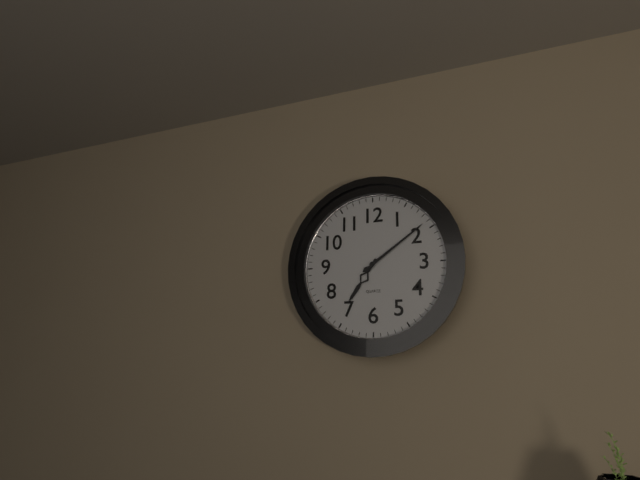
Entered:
7h09
